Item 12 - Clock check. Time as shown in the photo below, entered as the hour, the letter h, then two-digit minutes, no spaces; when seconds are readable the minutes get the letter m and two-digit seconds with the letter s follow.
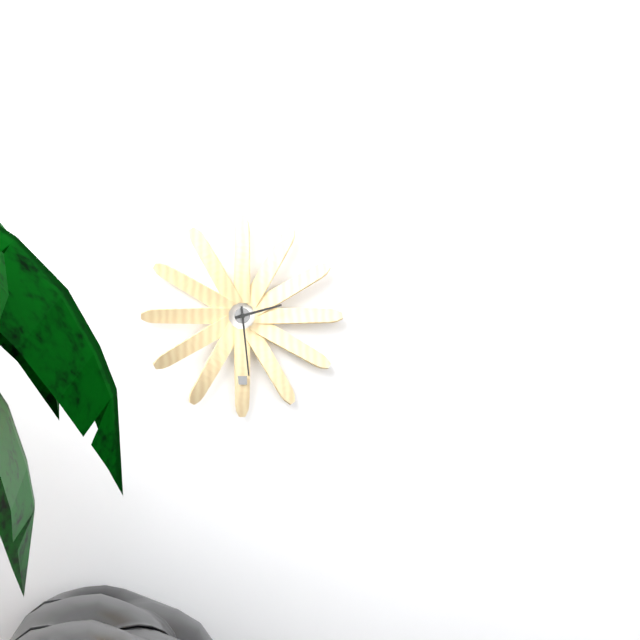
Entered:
2h29
